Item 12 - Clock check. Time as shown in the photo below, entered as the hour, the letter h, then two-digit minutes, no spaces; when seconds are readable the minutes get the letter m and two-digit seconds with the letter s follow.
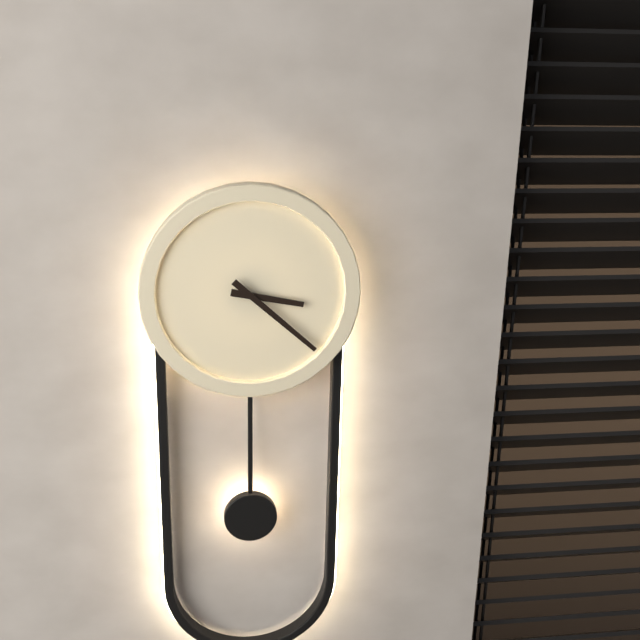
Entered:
3h22
